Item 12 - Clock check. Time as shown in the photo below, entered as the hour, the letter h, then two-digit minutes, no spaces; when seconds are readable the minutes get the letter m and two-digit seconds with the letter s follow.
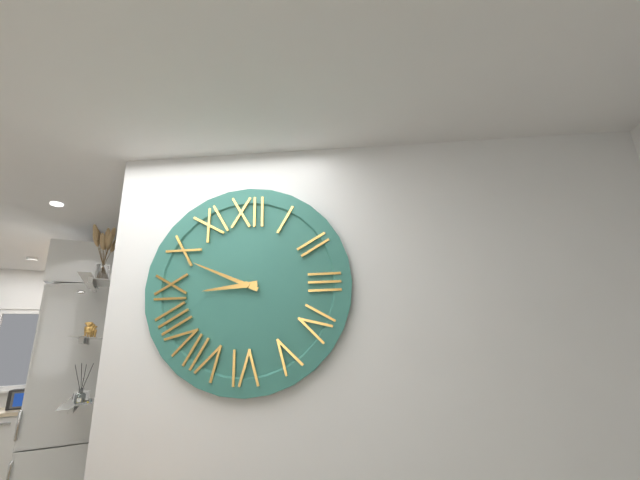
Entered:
8h49
